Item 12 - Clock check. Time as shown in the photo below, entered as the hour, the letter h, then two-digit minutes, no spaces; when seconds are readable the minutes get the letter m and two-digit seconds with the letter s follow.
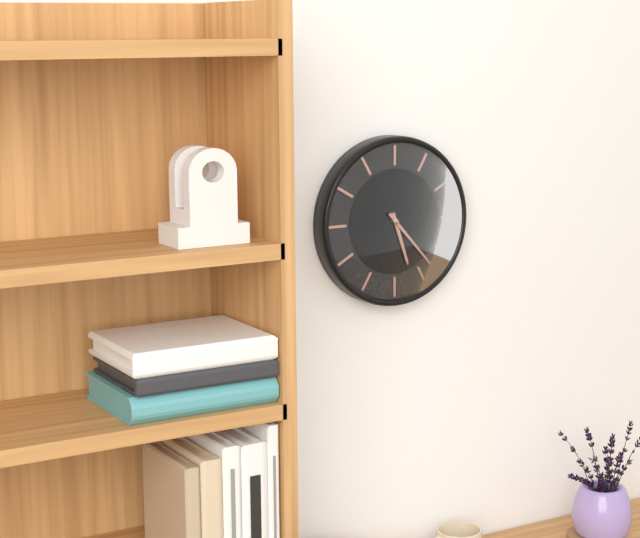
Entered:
5h23
